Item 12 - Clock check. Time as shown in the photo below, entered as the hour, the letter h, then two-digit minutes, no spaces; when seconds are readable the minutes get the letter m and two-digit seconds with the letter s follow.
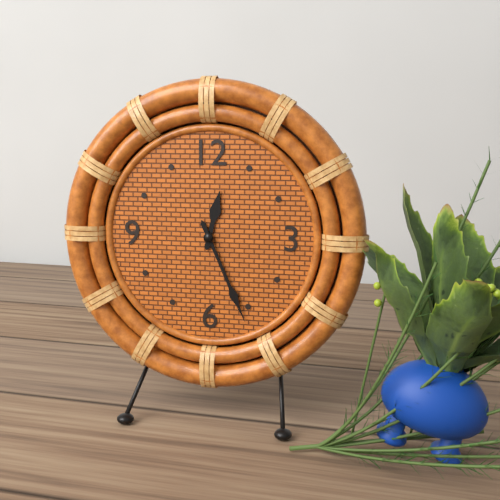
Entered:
12h26
